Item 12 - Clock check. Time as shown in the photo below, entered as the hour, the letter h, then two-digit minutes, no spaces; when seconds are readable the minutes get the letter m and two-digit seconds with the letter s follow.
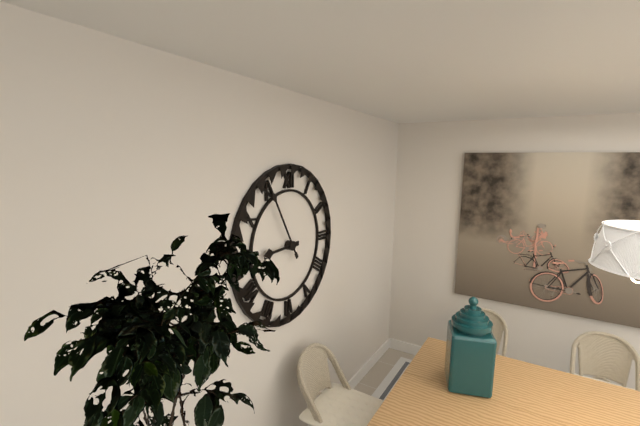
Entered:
8h55
